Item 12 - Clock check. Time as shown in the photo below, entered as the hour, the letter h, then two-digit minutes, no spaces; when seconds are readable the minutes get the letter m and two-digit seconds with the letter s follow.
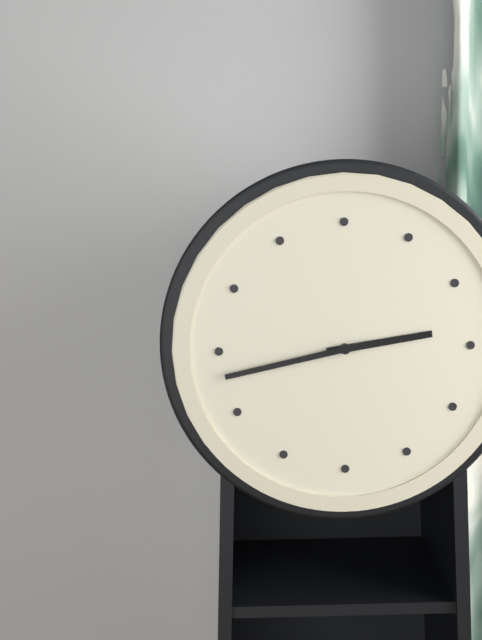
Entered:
2h43
